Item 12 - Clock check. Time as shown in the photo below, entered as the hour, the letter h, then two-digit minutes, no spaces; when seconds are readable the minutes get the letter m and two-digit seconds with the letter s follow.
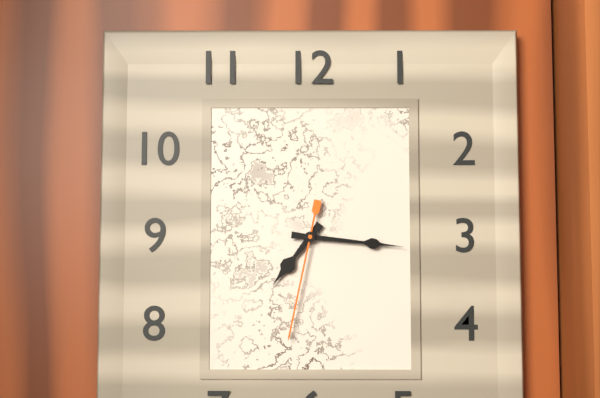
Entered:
7h16m32s
